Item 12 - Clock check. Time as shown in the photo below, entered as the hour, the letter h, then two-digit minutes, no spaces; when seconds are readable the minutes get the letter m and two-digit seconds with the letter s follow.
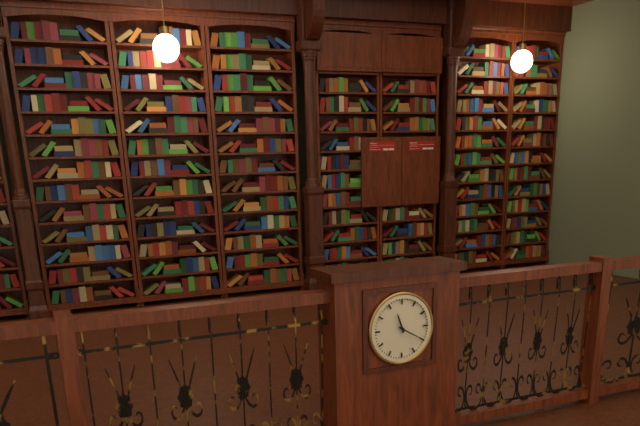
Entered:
11h20
